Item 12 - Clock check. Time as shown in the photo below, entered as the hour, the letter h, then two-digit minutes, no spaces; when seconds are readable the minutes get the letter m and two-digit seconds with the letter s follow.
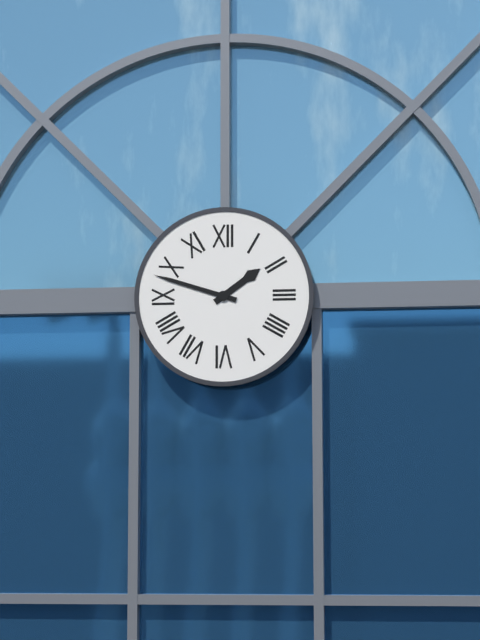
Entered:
1h48
